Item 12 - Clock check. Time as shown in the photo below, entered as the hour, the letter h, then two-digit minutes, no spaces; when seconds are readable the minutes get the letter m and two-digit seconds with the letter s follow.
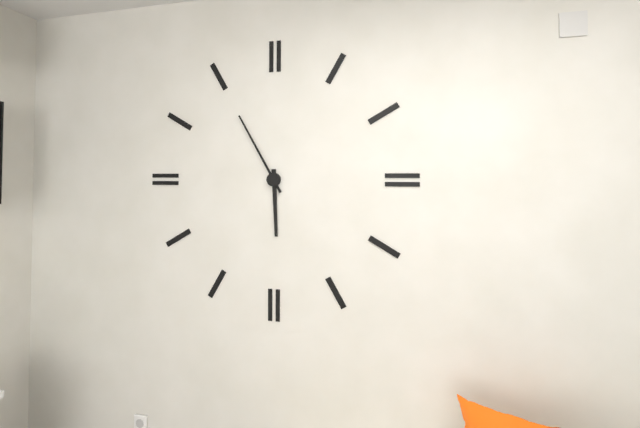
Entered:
5h55
